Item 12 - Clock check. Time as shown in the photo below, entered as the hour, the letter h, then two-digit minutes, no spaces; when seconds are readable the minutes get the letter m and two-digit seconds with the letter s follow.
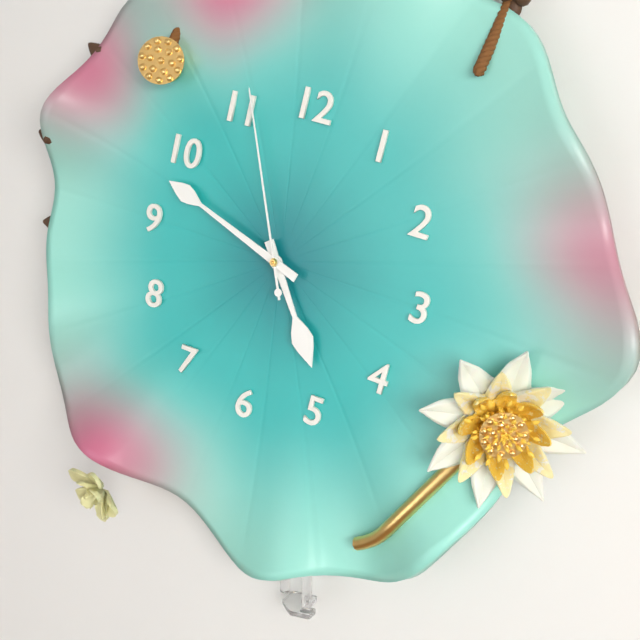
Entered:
4h48m56s
